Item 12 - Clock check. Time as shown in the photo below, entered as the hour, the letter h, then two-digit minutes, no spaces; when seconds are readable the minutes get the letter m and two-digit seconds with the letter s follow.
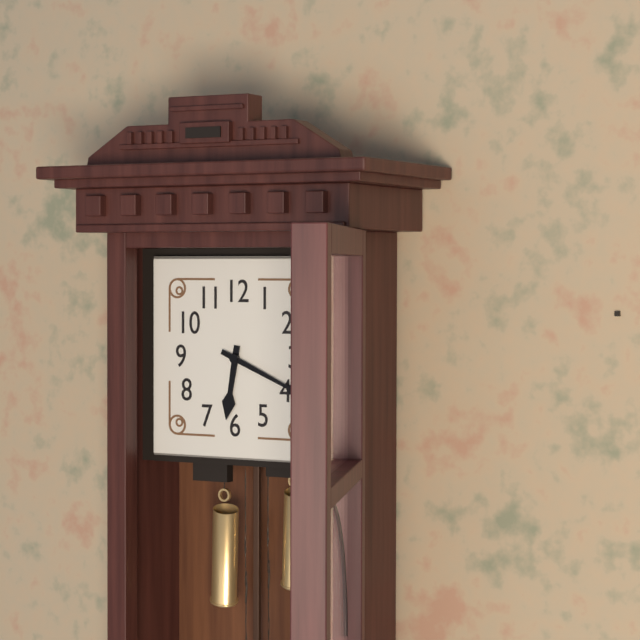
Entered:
6h19
